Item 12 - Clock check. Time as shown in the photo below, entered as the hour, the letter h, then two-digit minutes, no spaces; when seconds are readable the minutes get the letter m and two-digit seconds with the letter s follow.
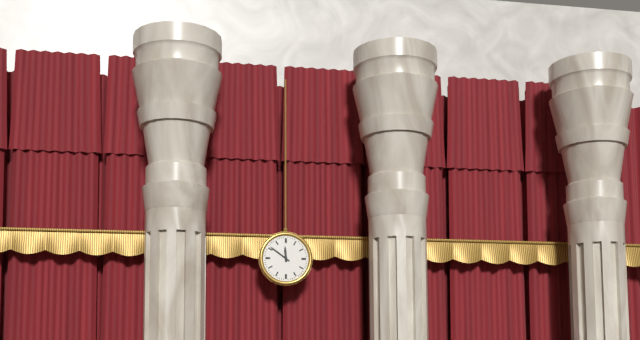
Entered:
11h51
